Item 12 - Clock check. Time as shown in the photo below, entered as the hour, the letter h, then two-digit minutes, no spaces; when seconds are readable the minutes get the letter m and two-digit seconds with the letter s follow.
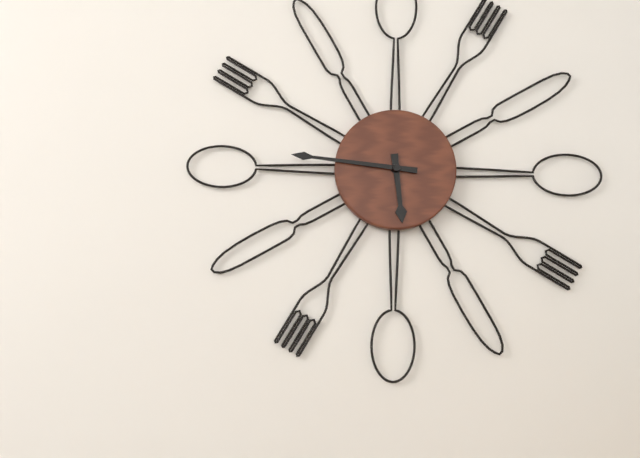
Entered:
5h46
